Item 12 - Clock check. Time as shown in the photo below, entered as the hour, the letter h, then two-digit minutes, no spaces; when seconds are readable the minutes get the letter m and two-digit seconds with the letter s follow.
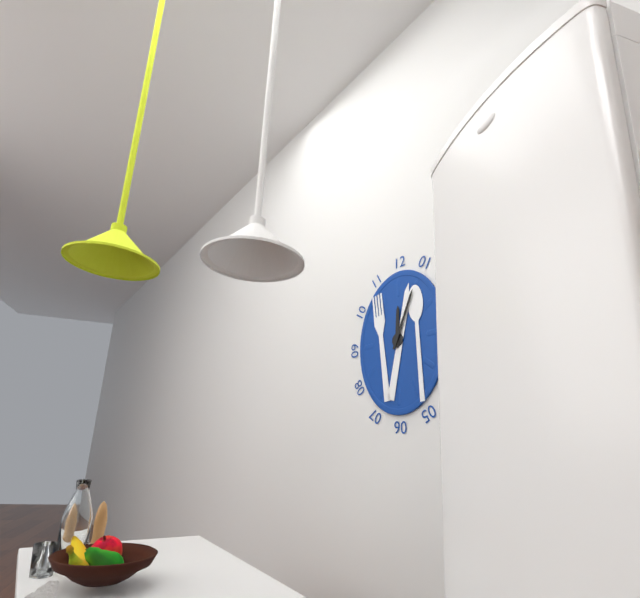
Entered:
12h04
